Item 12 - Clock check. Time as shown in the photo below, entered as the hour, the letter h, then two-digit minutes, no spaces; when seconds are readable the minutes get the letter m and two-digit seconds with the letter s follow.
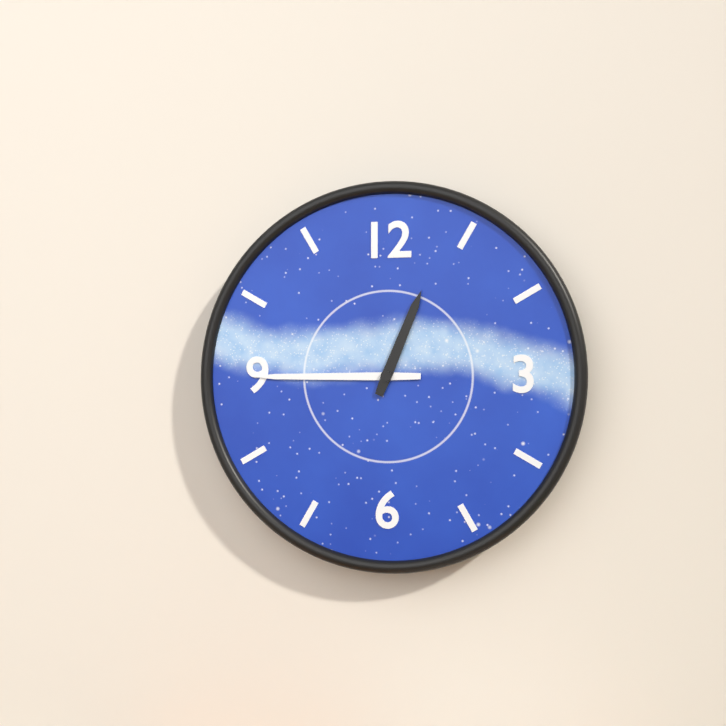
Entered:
12h45
